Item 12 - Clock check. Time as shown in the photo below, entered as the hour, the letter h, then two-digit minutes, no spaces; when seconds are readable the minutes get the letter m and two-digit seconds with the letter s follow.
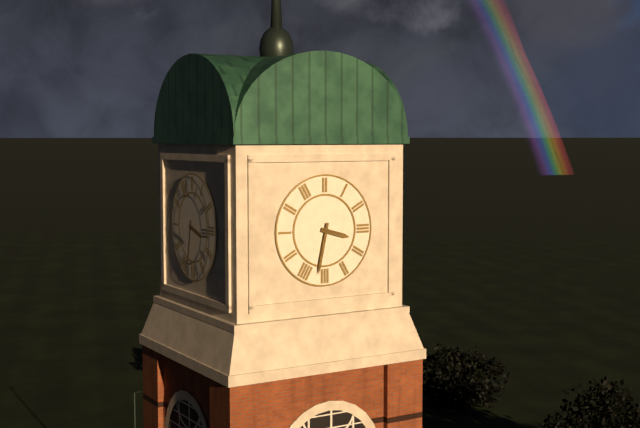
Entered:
3h32
